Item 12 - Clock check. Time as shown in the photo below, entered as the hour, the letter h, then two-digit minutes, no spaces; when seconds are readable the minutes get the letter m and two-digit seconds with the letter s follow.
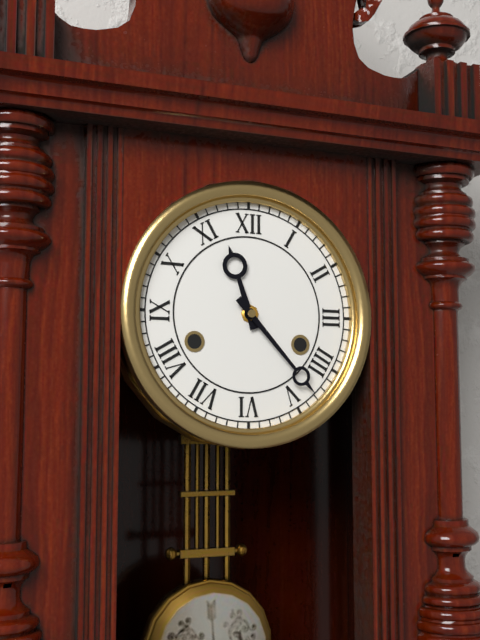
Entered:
11h23
